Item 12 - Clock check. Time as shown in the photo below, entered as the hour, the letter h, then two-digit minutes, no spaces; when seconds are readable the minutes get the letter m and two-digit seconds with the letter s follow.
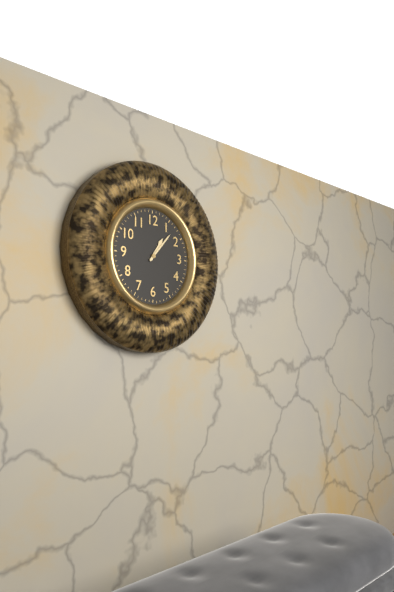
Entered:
1h07
